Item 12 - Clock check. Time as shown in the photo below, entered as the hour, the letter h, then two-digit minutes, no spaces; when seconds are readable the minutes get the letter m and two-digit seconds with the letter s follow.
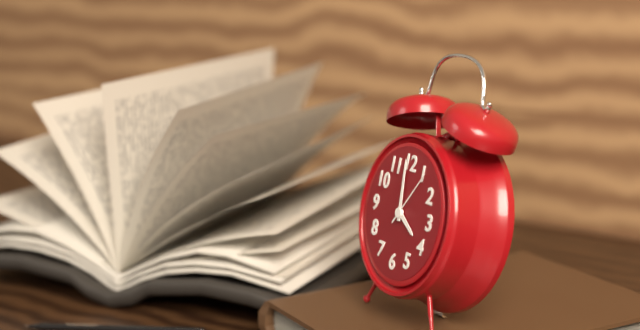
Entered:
3h59m06s
